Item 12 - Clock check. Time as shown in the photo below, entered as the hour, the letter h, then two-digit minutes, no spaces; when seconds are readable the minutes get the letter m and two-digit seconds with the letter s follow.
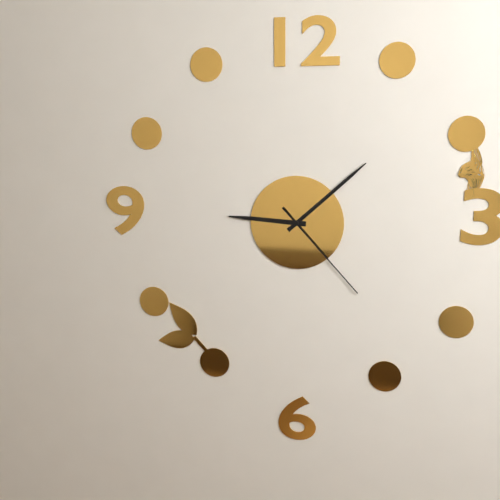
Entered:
9h08m23s
